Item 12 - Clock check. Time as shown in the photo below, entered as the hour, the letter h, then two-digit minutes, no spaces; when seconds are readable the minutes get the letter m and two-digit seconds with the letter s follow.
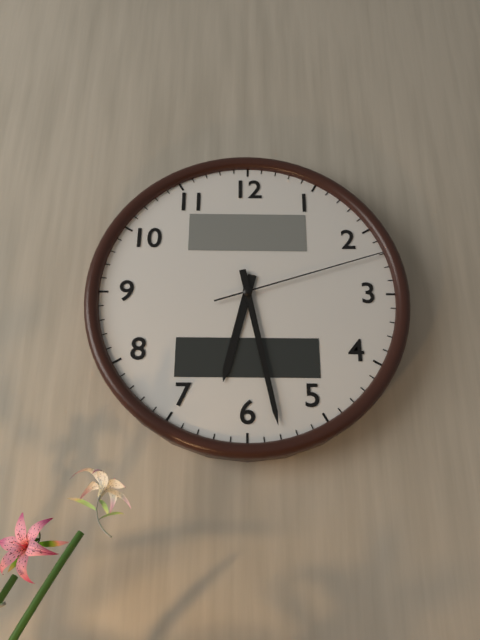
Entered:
6h28m12s
